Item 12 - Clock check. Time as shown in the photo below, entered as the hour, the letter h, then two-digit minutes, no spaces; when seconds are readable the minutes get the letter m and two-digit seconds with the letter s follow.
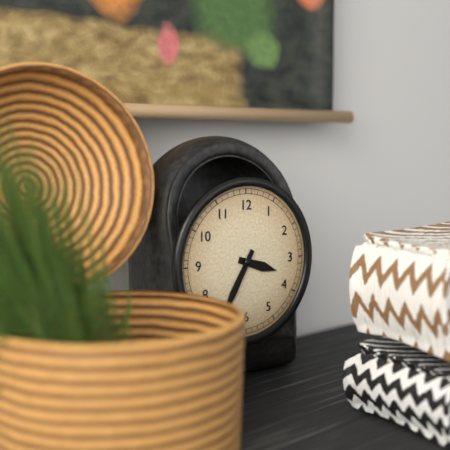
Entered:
3h35
